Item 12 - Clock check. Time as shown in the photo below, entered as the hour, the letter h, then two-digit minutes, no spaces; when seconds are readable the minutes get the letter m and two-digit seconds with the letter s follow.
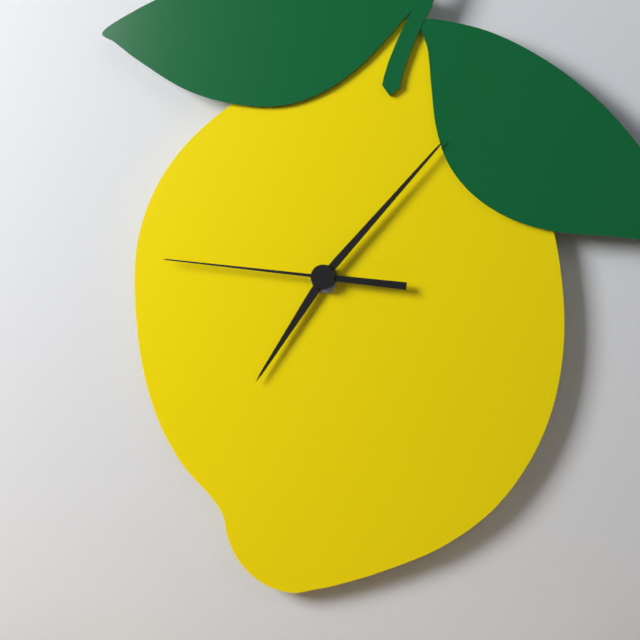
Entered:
7h07m46s
